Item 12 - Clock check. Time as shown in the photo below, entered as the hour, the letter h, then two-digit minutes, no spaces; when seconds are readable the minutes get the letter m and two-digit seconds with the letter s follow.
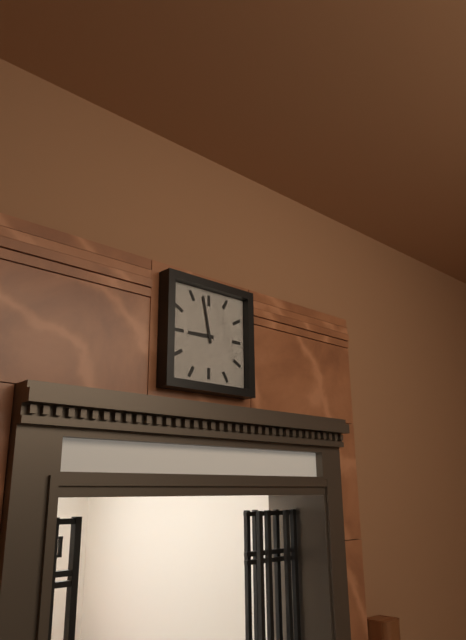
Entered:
8h58
